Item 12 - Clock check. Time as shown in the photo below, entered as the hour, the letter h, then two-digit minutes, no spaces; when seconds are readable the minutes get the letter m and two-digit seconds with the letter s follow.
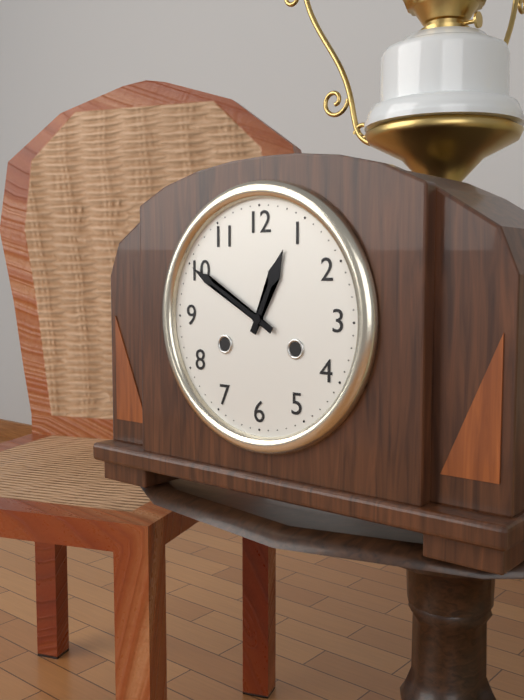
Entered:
12h50
